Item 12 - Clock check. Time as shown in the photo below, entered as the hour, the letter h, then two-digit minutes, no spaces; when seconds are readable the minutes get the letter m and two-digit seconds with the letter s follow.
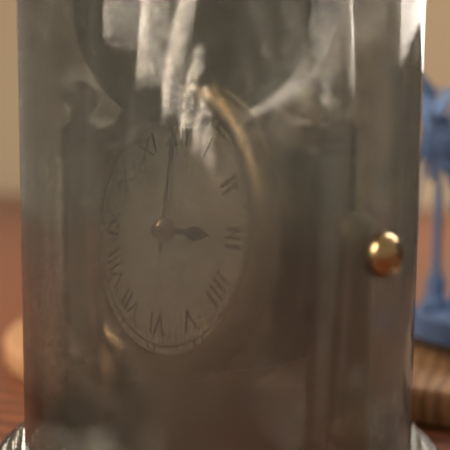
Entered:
3h00
